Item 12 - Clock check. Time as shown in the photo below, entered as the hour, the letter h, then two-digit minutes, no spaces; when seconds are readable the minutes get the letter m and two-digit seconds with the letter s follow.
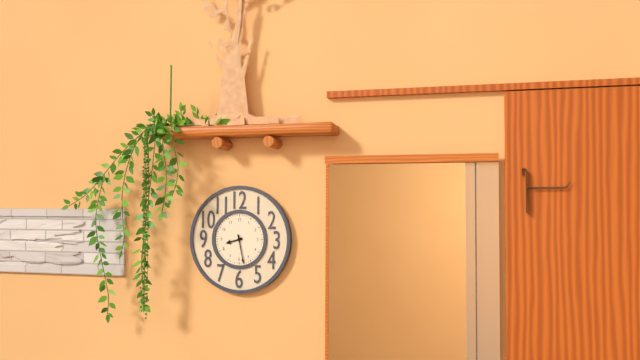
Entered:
8h28
